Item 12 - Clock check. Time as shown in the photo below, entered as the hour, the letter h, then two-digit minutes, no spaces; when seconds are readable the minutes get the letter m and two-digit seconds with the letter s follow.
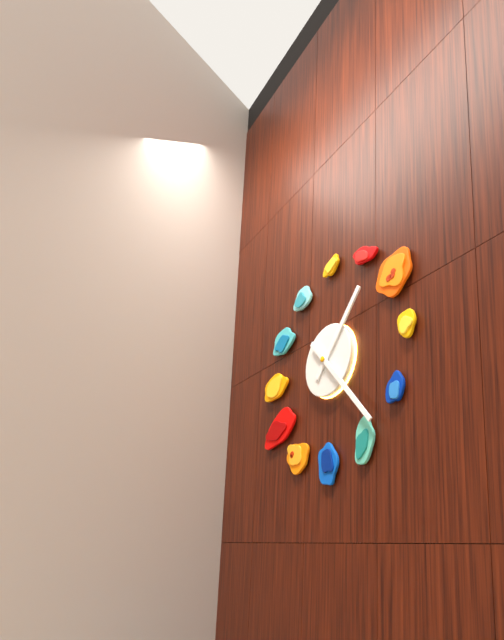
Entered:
1h23
